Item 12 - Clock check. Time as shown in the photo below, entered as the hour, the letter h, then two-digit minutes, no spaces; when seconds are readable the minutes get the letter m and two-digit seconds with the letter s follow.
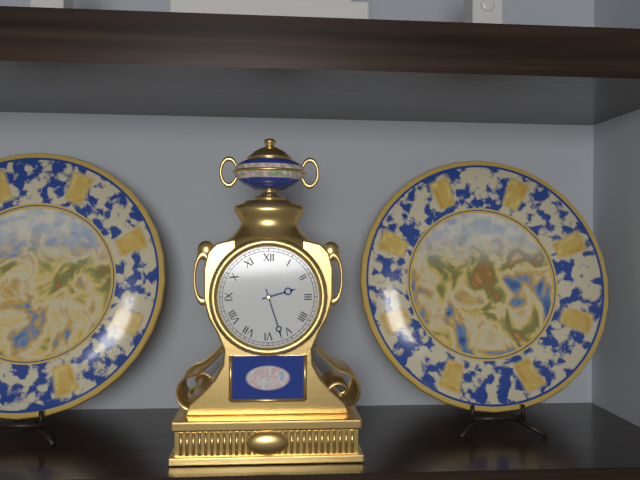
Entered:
2h27
